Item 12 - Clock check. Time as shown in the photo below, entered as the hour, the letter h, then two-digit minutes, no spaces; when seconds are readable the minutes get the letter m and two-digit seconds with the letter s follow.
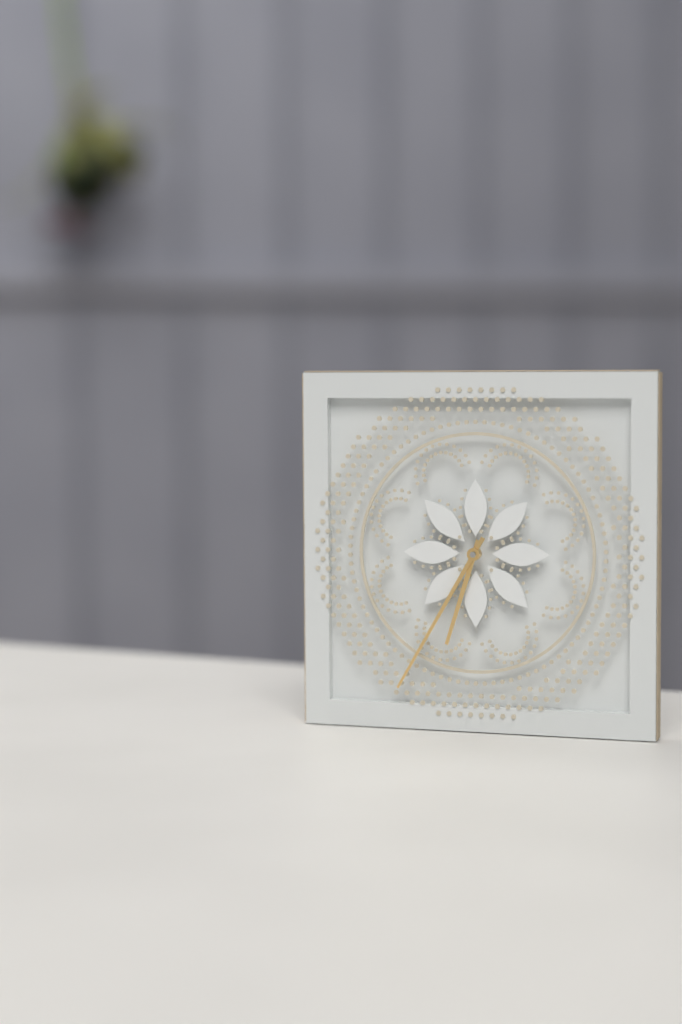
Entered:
6h35
